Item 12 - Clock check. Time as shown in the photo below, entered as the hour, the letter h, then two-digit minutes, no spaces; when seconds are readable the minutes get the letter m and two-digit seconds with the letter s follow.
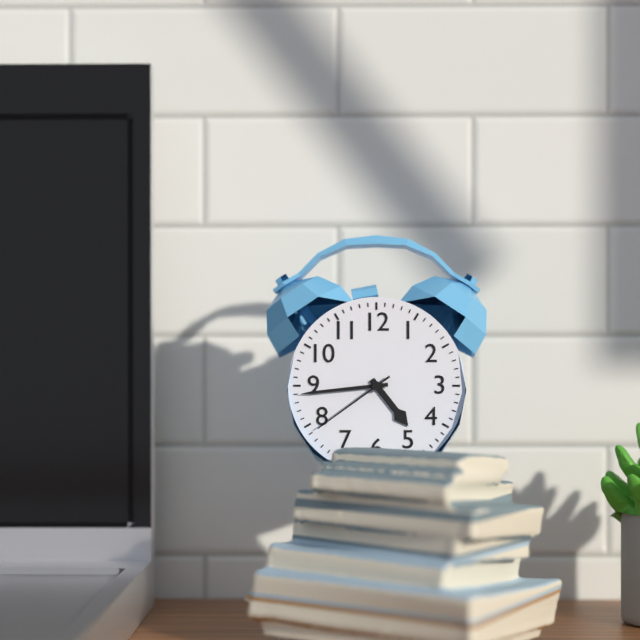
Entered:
4h44m39s
